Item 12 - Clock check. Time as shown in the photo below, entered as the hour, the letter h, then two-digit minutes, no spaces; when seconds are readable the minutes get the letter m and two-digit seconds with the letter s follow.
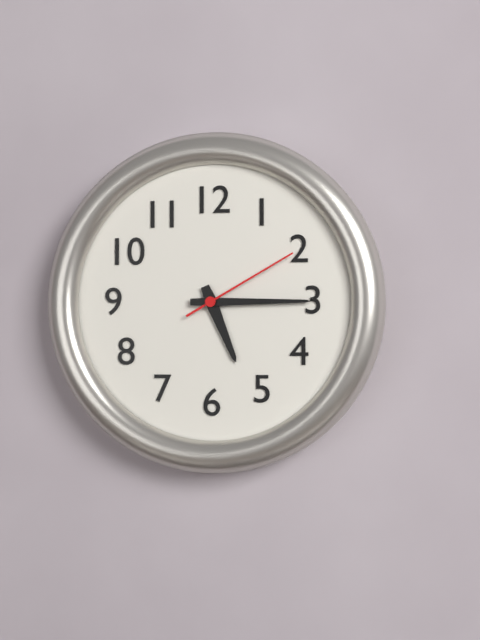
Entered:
5h15m10s
